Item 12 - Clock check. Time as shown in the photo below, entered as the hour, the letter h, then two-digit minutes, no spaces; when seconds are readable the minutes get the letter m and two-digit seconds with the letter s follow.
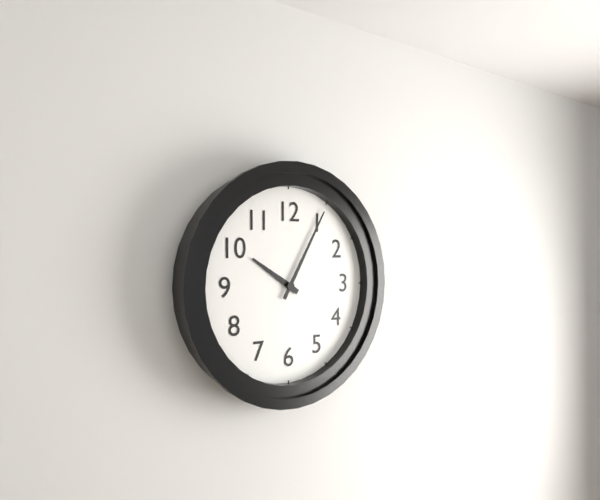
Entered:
10h05
